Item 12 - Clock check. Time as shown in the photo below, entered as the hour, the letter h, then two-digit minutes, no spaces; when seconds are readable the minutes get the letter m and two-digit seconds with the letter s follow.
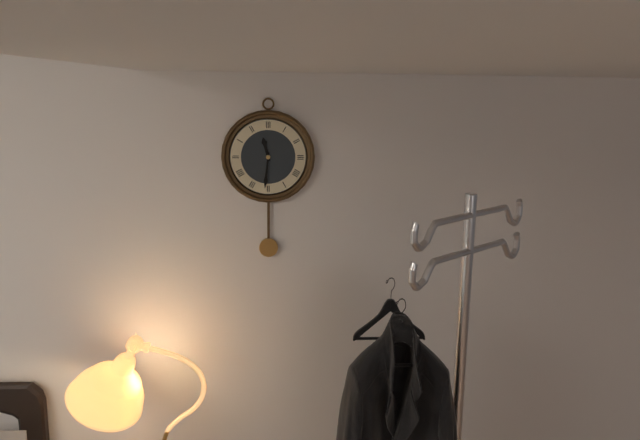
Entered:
11h31
